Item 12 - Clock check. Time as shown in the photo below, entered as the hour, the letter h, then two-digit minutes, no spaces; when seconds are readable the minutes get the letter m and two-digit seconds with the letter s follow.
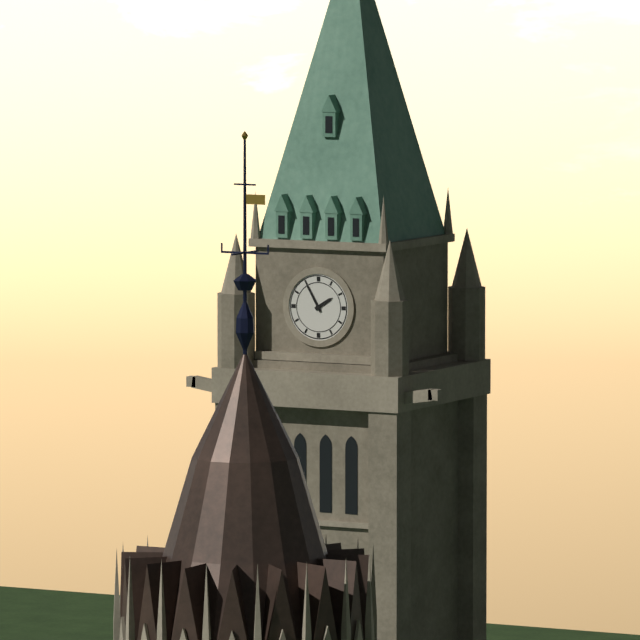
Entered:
1h55
